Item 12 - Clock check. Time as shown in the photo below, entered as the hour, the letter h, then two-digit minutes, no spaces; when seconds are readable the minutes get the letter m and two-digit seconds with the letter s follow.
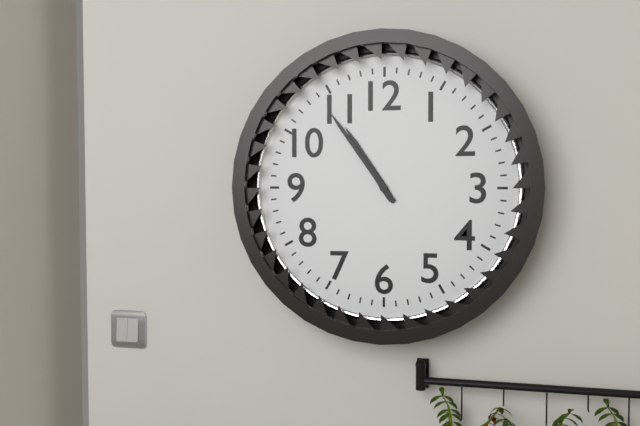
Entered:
10h54
